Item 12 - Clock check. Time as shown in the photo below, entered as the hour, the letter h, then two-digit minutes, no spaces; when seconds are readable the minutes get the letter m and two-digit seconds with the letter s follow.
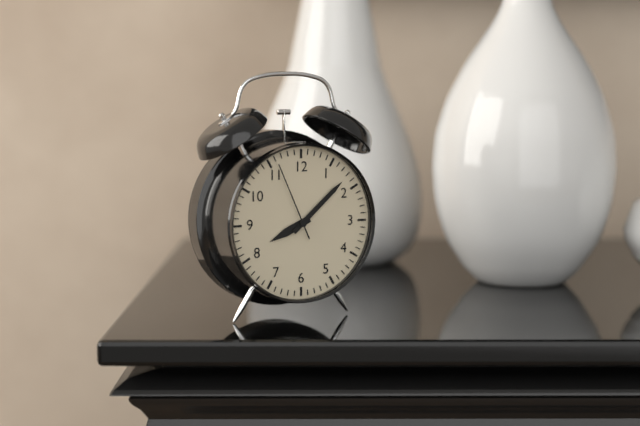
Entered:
8h08m56s
